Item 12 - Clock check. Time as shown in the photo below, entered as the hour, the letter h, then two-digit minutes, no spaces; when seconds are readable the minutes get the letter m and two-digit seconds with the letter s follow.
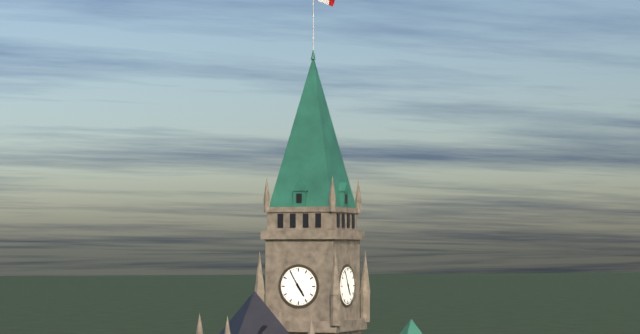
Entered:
4h55
